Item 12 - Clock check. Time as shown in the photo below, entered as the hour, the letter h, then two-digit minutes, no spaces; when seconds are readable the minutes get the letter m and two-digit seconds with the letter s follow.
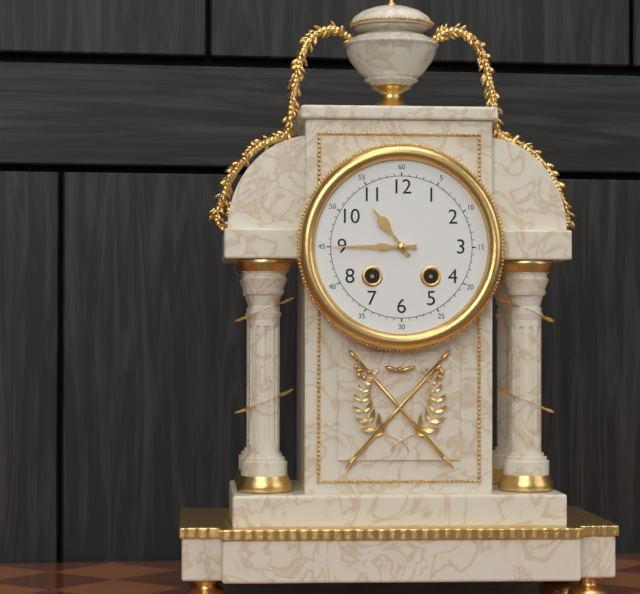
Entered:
10h45
